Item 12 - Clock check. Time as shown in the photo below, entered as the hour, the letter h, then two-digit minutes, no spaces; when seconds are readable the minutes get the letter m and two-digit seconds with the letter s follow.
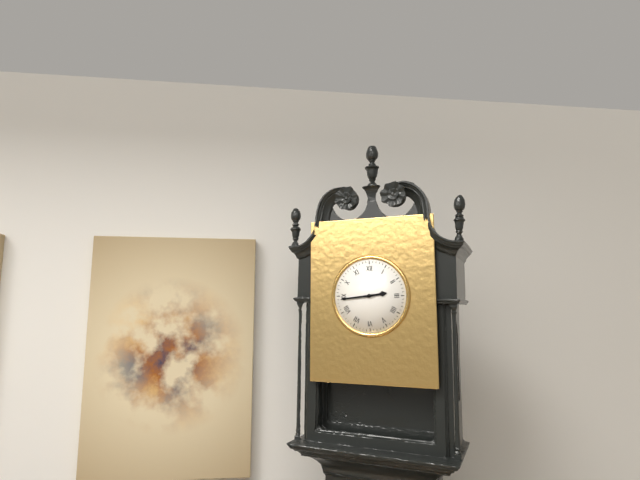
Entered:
2h44
